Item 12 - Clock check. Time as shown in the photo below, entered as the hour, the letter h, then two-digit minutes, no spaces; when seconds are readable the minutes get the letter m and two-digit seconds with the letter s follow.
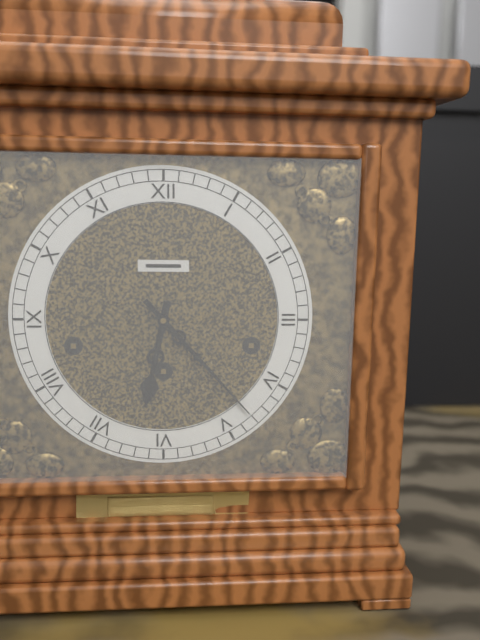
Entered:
6h23
